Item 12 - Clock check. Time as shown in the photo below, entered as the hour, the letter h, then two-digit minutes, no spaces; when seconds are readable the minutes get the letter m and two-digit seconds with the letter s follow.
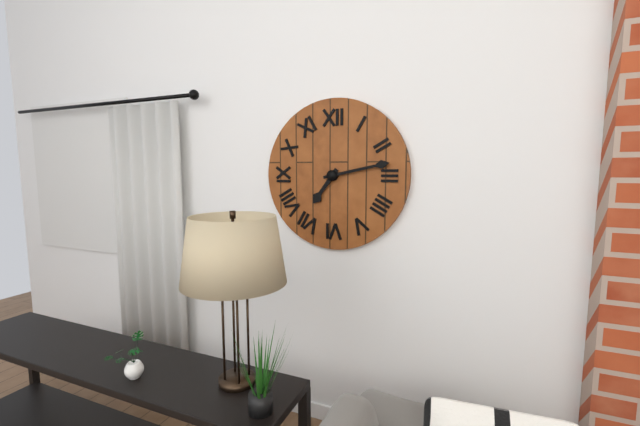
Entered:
7h13
